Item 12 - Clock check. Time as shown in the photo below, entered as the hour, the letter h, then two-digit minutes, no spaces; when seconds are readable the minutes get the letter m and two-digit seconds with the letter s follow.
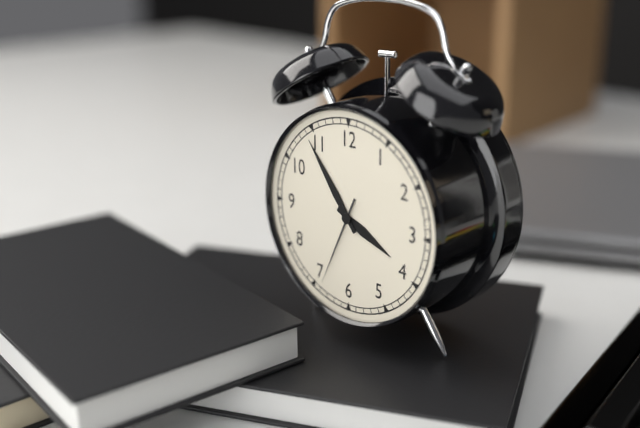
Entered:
3h54m34s
